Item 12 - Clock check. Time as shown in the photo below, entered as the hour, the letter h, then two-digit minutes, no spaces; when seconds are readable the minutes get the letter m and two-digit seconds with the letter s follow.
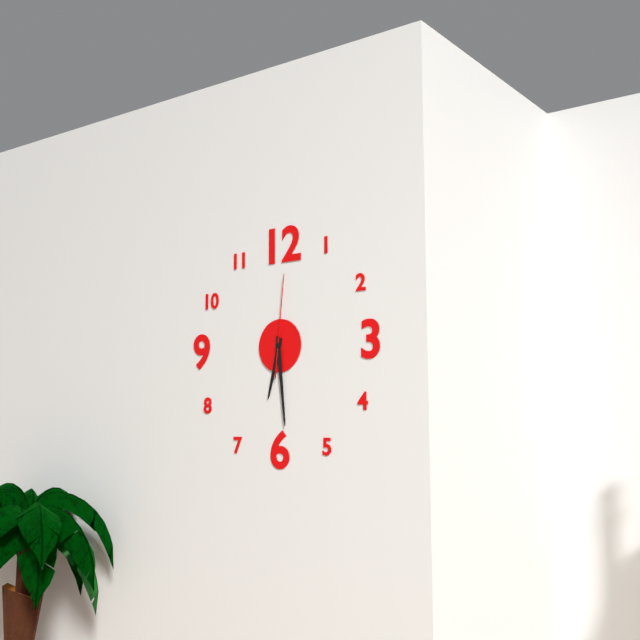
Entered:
6h29m01s
